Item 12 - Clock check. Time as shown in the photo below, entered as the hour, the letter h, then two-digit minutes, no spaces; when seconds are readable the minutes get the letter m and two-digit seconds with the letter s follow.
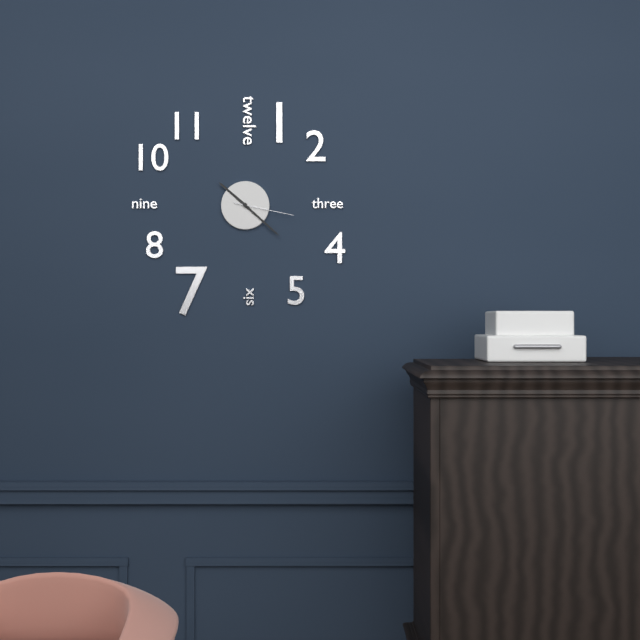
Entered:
10h22m17s
